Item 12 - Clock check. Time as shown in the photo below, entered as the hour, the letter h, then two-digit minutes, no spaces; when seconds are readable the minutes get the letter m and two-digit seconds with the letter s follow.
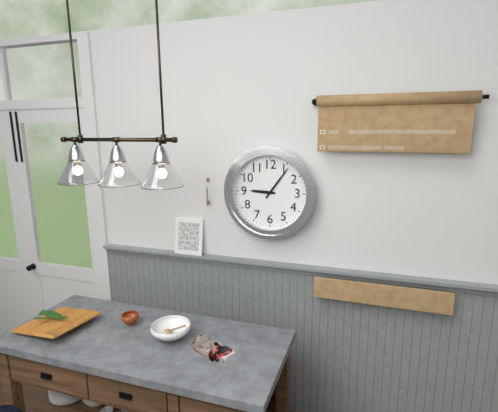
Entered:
9h06
